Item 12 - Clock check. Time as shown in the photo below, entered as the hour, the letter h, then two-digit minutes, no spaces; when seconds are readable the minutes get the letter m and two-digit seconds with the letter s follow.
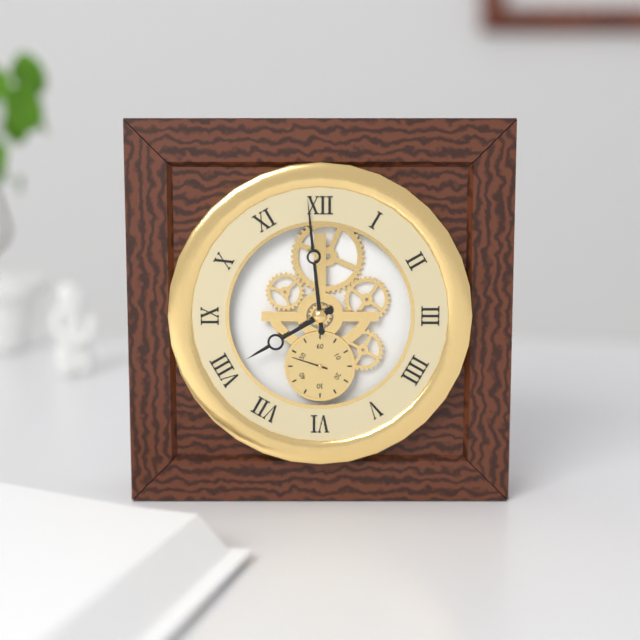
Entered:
7h59
